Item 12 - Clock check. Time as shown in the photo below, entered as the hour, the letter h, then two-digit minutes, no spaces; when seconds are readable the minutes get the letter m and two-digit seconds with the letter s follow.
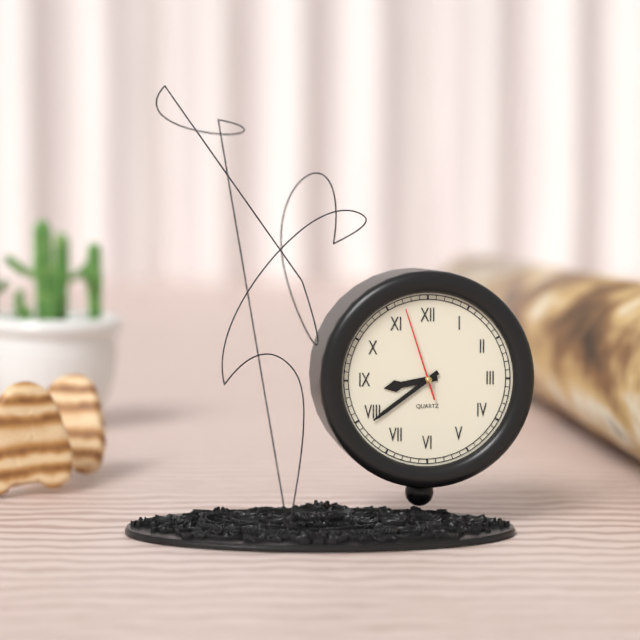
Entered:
8h39m57s
